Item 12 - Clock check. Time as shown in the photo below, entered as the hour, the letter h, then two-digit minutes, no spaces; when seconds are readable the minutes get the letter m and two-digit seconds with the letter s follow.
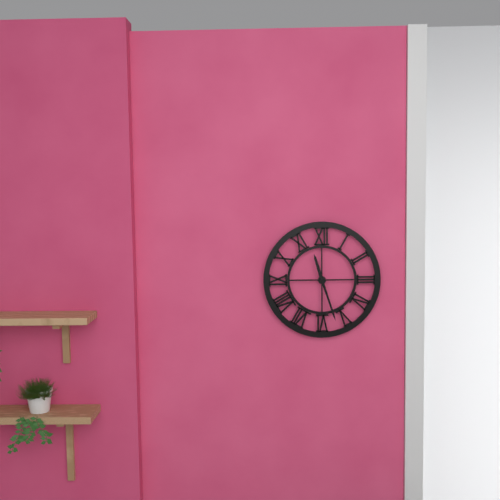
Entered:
11h27
